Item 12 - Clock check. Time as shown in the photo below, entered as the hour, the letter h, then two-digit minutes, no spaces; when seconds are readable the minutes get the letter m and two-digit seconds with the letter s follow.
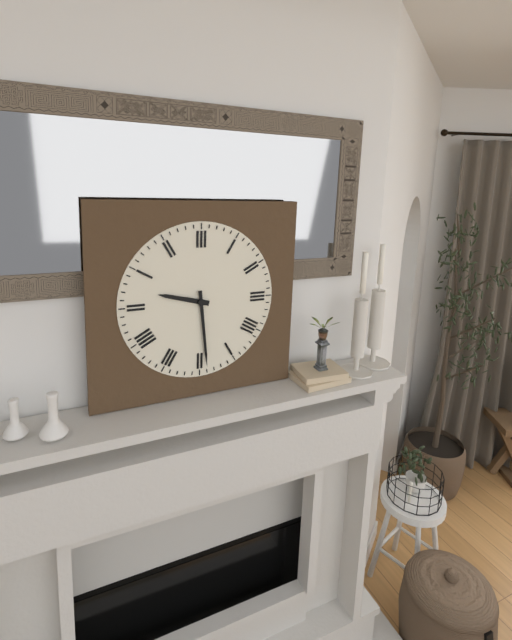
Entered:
9h29
